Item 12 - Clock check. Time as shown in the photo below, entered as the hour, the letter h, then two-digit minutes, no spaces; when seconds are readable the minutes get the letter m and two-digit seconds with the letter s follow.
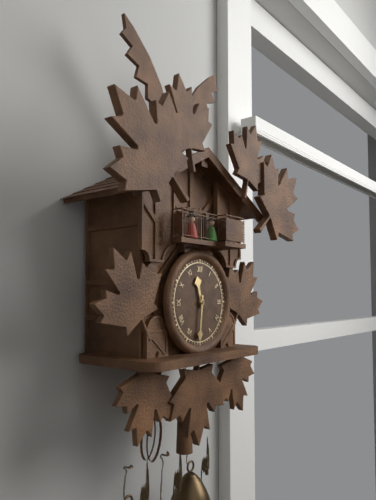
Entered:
11h31
